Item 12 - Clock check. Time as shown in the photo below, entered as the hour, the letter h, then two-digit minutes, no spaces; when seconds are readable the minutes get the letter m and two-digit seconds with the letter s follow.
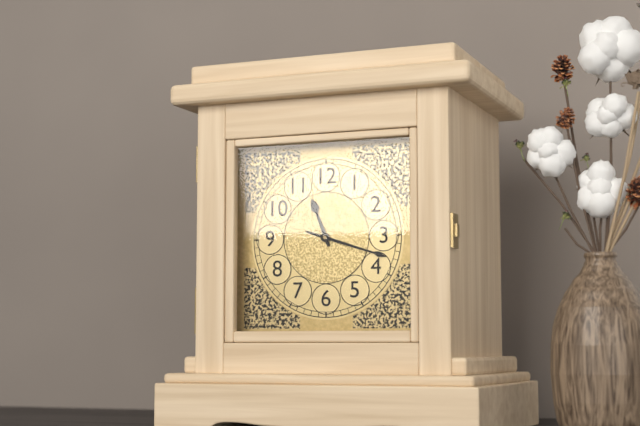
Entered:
11h18
